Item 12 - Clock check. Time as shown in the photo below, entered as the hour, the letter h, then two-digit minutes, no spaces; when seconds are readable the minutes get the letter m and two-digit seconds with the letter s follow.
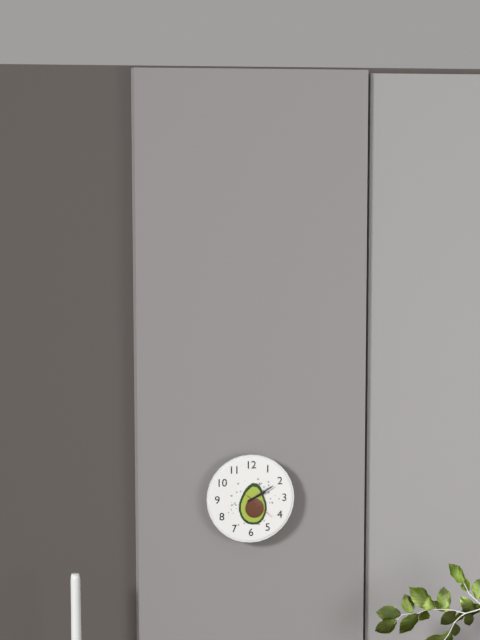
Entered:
2h10
